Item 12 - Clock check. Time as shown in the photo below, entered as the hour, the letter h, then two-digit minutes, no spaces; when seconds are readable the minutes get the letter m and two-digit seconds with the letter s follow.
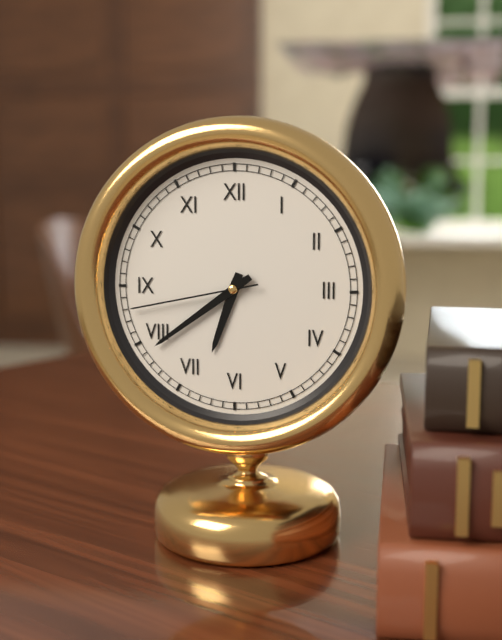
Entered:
6h39m43s
